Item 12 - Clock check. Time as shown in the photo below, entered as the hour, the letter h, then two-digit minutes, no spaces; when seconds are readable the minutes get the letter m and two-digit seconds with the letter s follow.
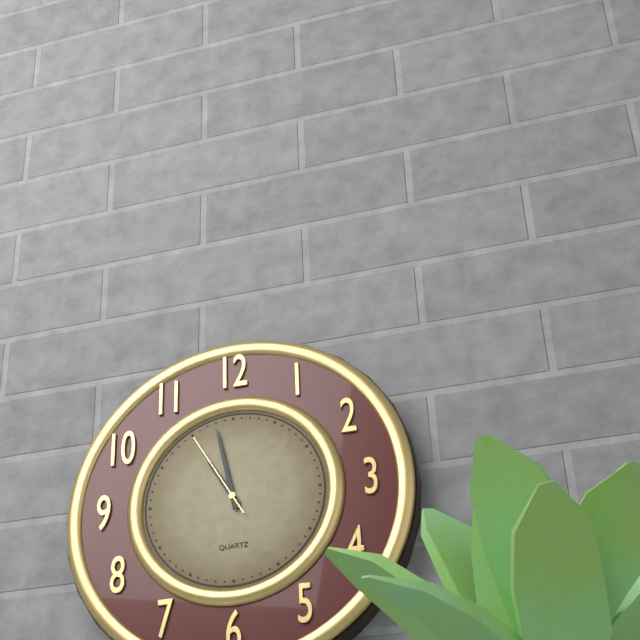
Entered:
10h58m55s
